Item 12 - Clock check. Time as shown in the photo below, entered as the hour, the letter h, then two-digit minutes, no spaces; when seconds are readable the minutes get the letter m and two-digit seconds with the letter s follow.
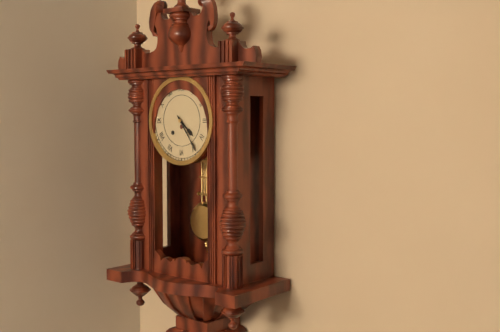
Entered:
4h24
